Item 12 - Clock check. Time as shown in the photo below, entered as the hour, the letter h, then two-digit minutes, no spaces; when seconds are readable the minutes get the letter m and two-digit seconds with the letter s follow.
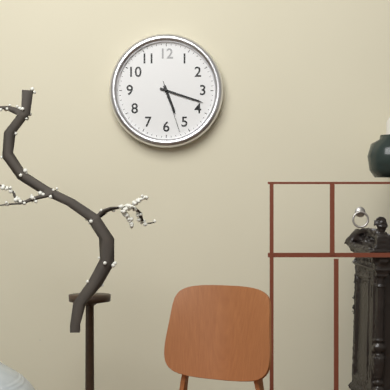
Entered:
5h18m27s
